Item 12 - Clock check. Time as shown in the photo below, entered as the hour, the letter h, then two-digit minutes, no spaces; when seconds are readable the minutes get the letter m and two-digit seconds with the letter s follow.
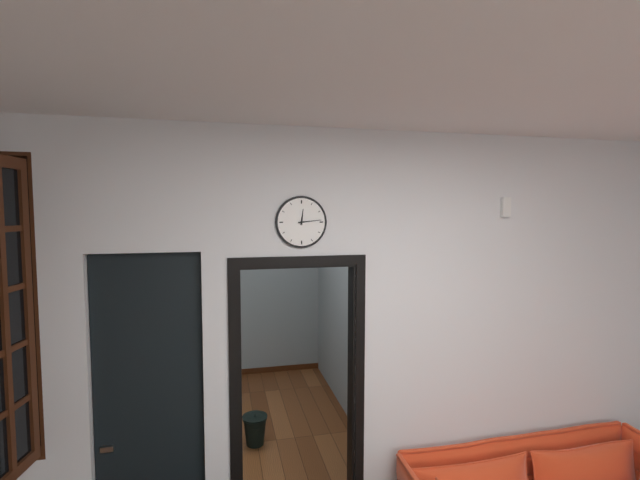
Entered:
12h14
